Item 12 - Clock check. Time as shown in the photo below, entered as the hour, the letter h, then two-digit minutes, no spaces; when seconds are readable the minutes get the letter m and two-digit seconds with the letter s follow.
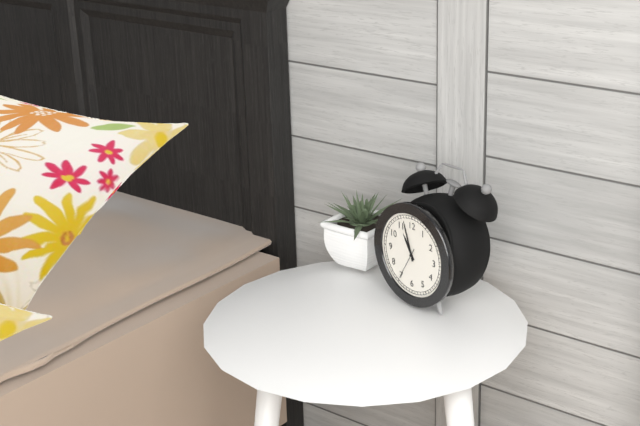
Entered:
10h57
